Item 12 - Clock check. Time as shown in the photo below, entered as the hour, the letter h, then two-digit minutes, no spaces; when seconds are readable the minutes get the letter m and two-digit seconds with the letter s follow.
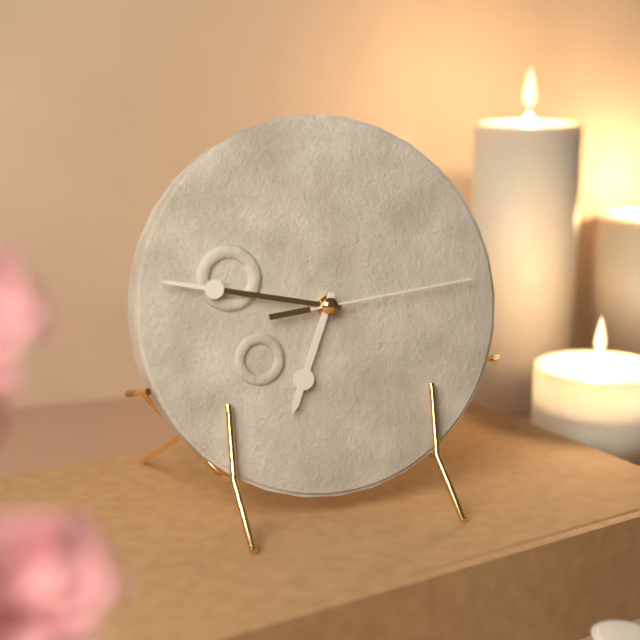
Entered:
6h47m14s
